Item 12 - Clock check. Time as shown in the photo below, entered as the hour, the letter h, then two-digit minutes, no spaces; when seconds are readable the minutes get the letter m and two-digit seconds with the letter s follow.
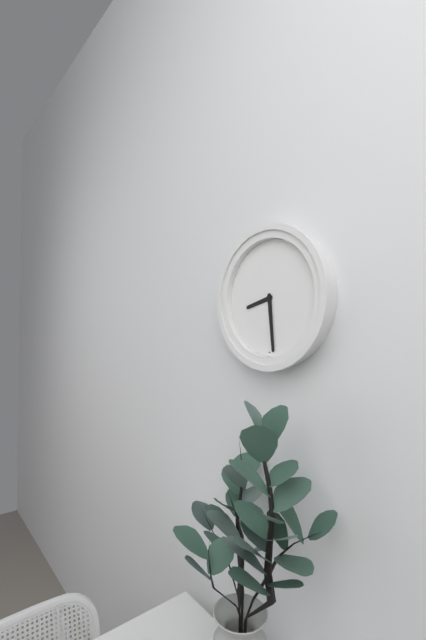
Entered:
8h29
